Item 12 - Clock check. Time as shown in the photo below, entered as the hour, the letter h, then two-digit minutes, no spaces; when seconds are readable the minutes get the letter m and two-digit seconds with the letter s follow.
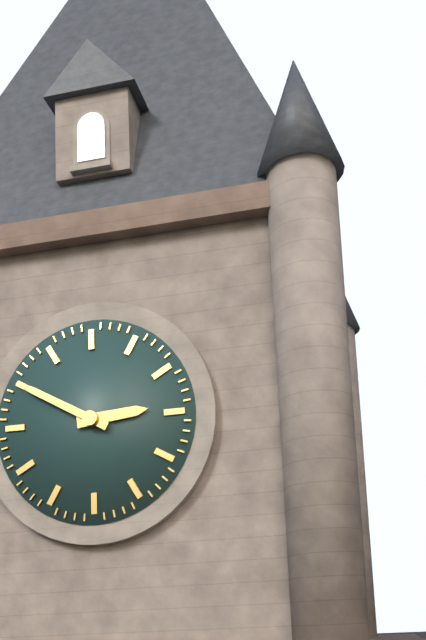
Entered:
2h50
